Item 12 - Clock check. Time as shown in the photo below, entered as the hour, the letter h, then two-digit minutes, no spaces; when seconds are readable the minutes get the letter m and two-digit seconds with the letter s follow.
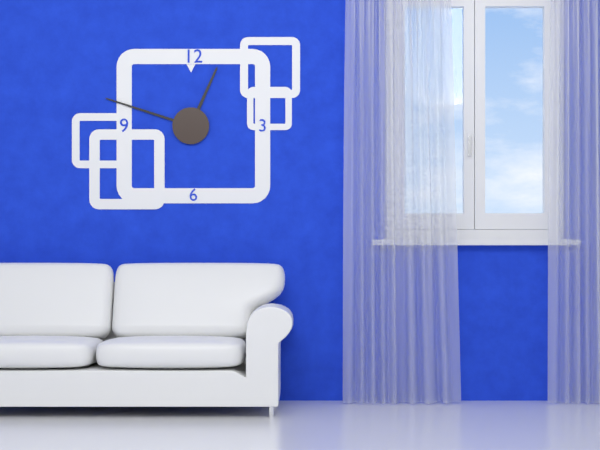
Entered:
12h48
